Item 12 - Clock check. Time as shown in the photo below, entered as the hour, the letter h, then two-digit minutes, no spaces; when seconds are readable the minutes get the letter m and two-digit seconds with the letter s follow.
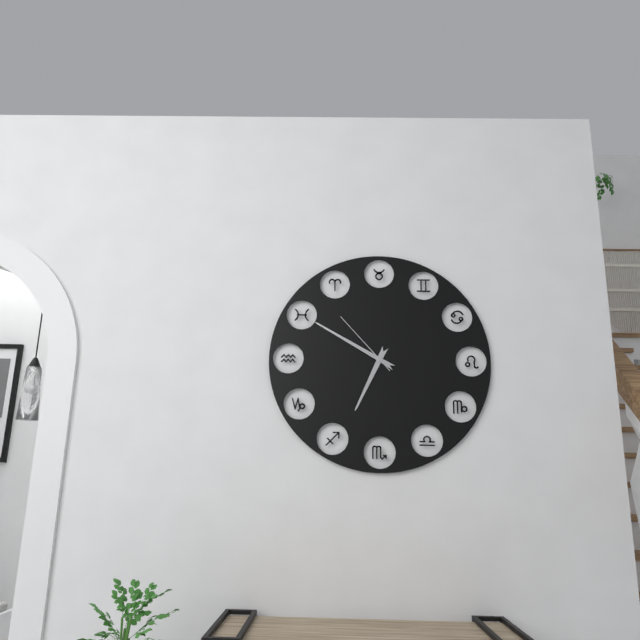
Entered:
6h50m53s
